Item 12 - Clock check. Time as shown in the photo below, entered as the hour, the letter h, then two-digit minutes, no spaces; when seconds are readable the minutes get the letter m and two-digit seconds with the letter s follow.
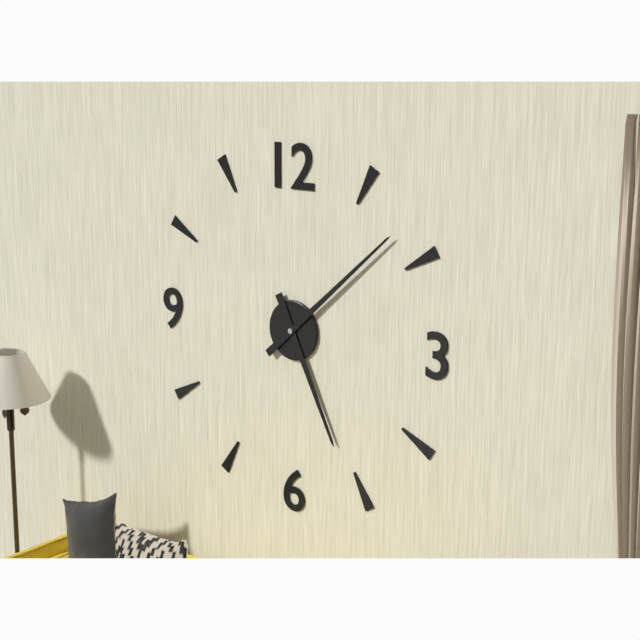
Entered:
5h08
